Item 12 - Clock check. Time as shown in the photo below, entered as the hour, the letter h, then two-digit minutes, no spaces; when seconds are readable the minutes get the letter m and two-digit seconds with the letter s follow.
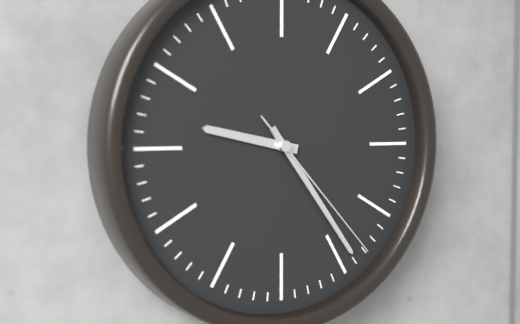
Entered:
9h24m23s
